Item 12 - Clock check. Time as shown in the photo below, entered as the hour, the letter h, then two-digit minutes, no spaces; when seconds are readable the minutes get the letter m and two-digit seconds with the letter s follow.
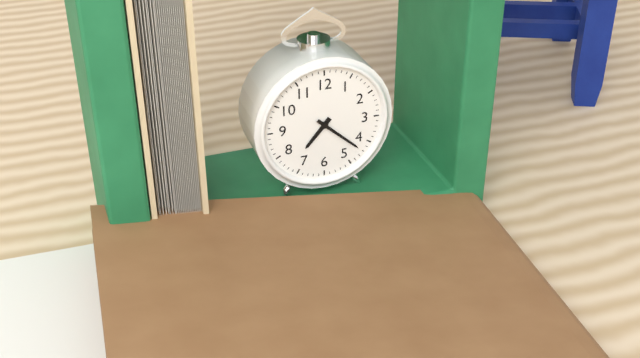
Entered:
7h22
